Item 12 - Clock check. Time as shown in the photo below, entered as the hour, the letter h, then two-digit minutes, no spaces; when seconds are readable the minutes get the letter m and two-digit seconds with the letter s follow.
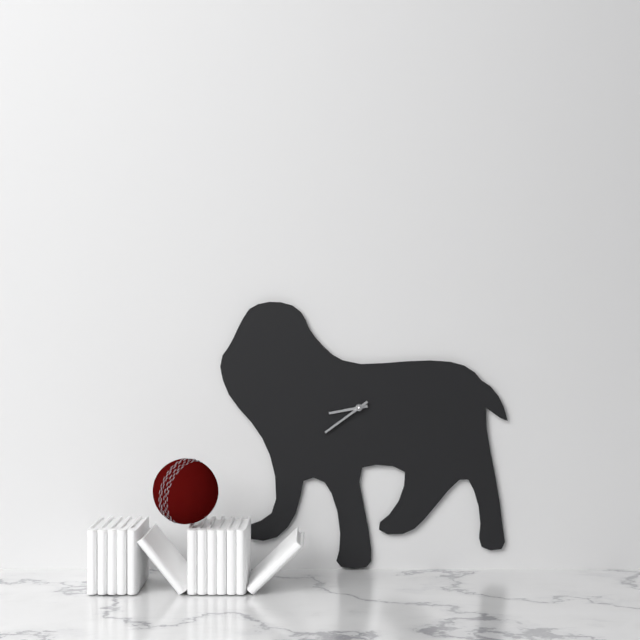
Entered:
8h39
